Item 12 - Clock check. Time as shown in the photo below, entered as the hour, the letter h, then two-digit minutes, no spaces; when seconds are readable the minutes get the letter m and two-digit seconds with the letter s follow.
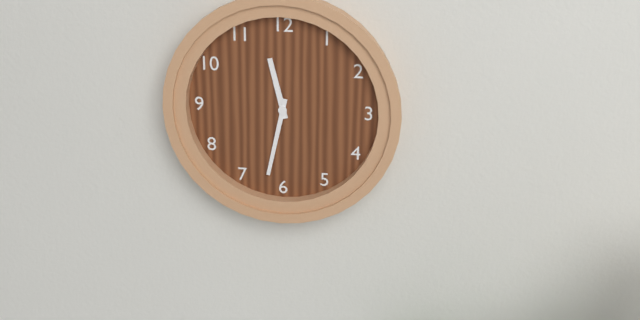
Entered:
11h32
